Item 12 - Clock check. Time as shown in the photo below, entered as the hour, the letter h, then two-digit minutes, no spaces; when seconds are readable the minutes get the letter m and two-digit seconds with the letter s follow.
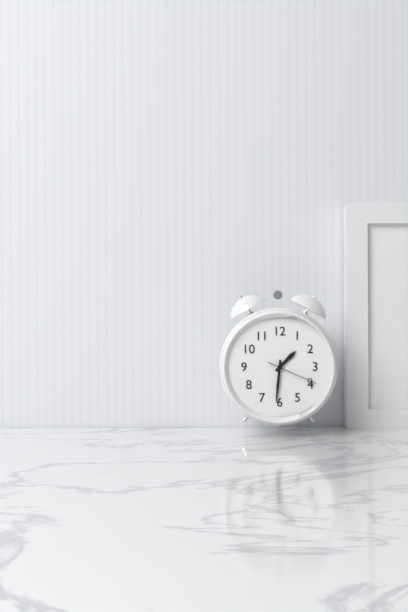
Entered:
1h31m19s
